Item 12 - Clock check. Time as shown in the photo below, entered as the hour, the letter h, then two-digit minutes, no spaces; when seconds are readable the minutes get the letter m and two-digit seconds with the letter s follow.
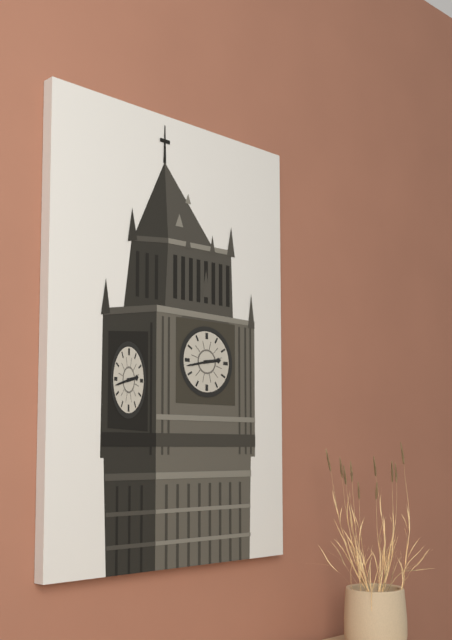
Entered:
2h43
